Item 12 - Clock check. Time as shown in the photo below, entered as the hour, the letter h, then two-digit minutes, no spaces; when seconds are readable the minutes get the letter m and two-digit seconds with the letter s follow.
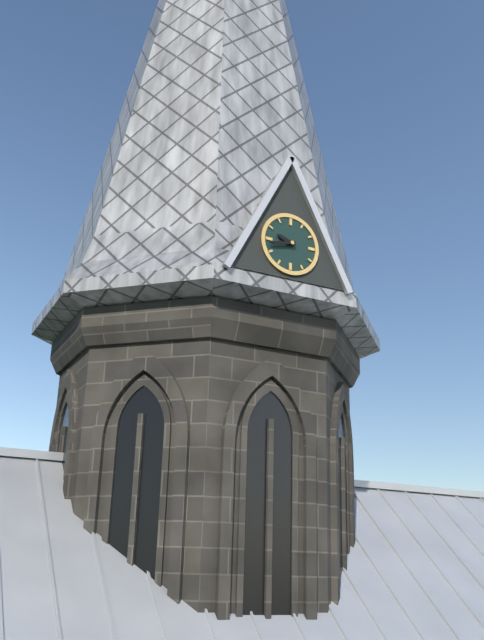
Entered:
9h43
